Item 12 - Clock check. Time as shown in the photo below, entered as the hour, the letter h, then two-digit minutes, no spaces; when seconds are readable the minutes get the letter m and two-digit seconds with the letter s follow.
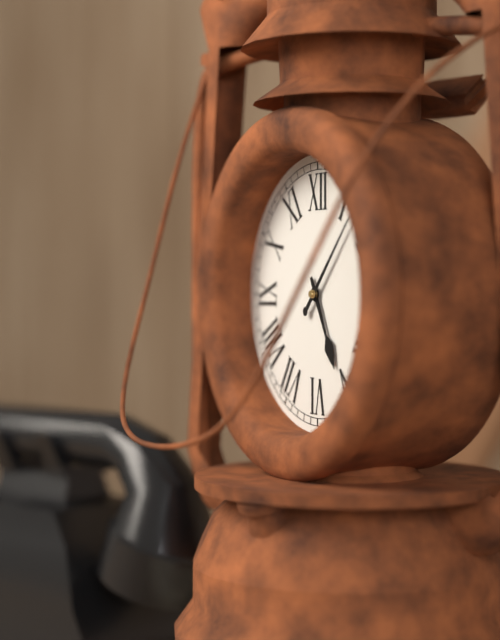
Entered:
5h07
